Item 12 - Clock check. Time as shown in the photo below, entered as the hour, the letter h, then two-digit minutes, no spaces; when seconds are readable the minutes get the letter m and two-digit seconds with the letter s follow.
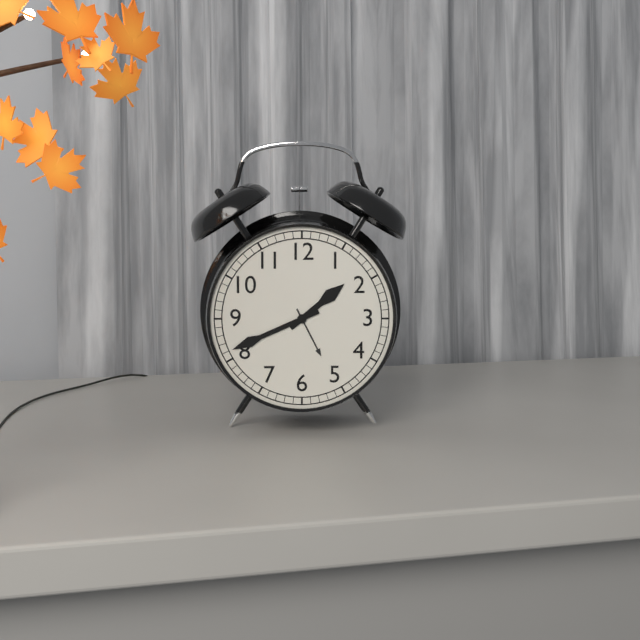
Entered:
1h41
